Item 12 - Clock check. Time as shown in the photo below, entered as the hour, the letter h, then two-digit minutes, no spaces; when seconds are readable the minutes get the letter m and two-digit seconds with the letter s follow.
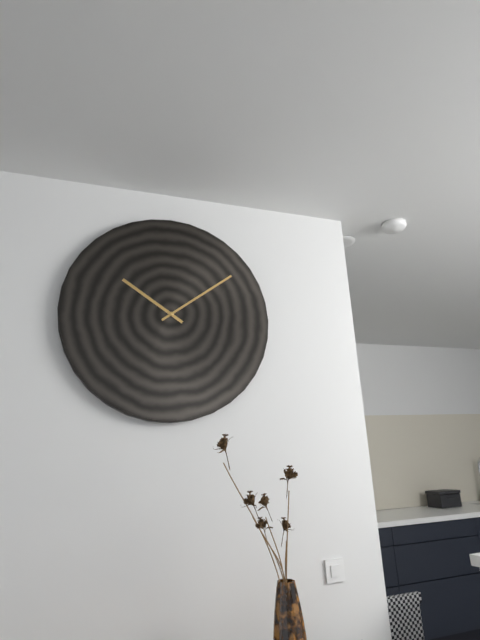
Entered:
10h09
